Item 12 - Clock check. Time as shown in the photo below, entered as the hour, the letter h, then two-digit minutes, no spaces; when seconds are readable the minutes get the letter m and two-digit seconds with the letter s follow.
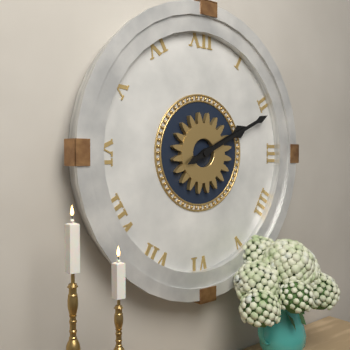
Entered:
2h11
